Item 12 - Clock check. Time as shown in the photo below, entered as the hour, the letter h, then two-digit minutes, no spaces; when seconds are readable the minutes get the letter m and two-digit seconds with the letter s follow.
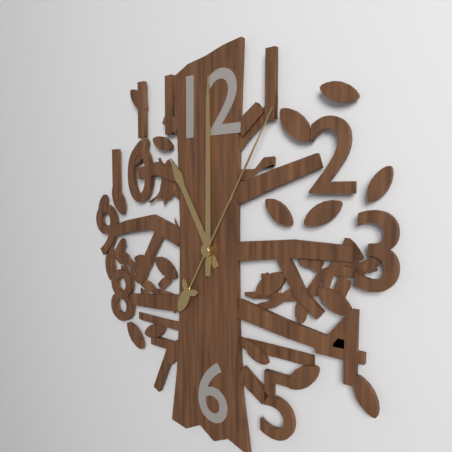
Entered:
11h00m05s
